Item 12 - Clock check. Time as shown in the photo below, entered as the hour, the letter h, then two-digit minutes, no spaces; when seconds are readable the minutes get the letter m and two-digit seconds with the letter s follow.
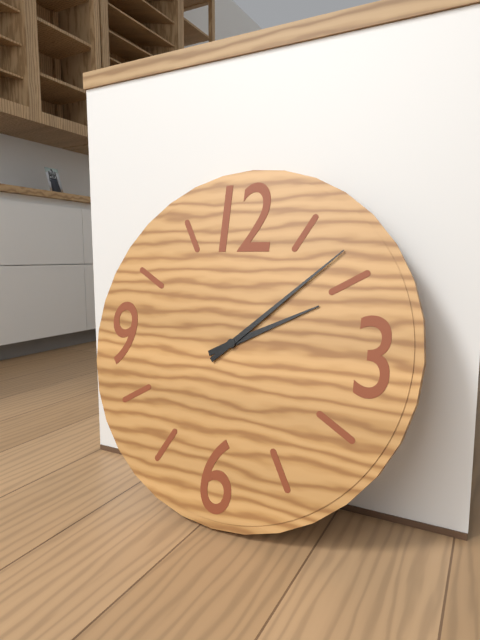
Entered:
2h08
